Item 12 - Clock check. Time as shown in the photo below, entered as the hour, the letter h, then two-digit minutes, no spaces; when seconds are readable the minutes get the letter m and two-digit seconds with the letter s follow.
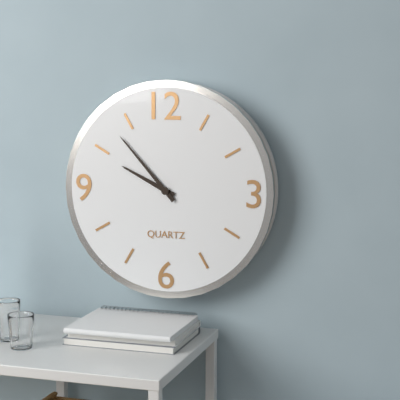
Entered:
9h53
